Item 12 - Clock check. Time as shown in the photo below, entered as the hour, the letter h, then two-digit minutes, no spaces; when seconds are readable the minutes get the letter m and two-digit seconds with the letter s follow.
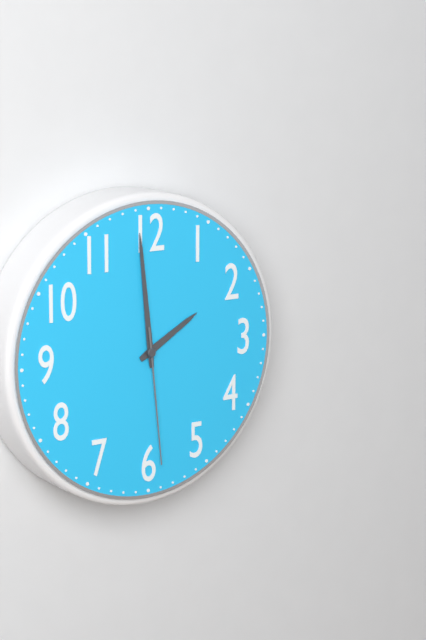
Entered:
1h59m29s
